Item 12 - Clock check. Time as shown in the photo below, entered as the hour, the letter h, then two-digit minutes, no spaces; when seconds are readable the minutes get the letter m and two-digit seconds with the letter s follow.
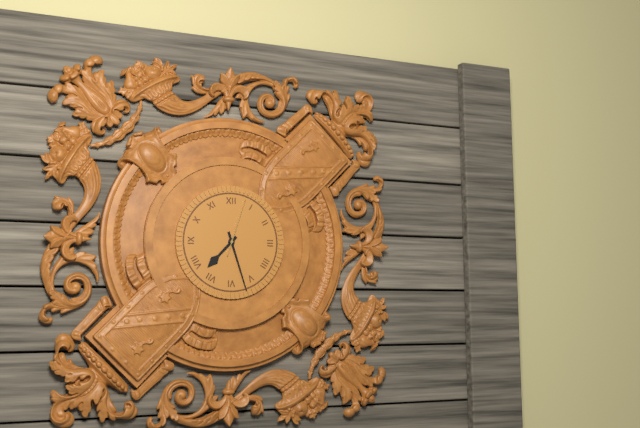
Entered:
7h27m03s
